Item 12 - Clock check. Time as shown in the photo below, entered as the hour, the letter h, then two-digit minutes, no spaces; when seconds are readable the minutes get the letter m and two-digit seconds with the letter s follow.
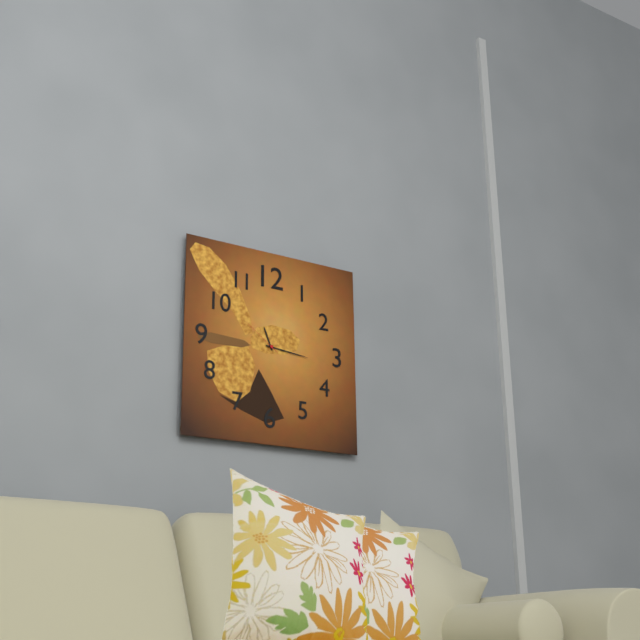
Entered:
11h16
